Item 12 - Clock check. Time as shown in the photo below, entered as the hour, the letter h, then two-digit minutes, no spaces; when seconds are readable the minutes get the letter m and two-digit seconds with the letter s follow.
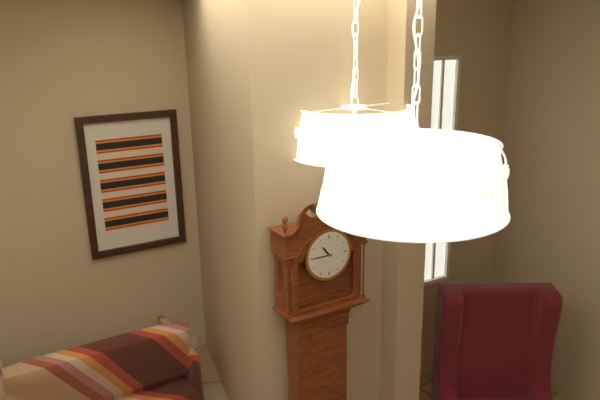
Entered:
10h45
